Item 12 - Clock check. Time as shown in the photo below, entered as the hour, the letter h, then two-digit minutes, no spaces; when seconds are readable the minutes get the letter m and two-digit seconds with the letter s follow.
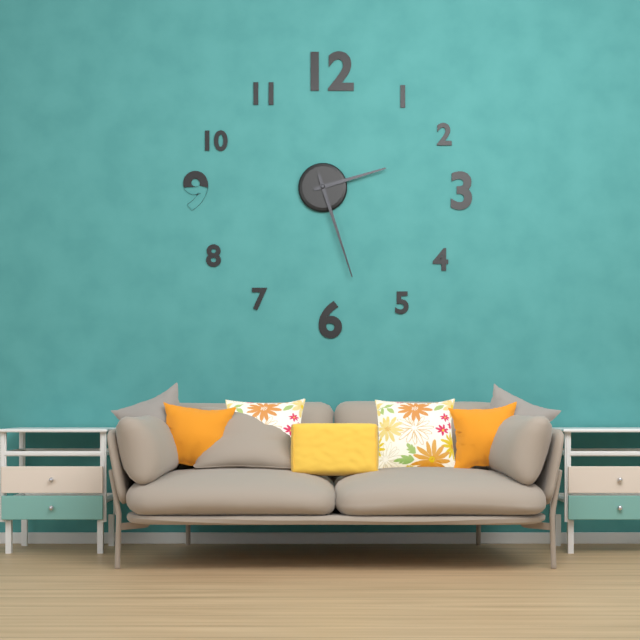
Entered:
2h27
